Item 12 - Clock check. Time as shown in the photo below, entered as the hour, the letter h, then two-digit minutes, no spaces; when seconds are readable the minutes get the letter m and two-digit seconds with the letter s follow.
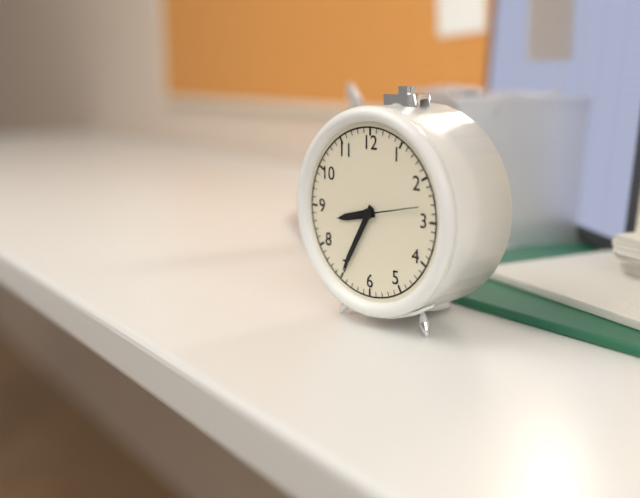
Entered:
8h35m13s
